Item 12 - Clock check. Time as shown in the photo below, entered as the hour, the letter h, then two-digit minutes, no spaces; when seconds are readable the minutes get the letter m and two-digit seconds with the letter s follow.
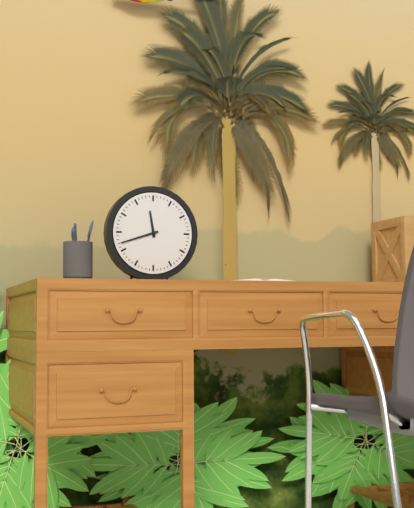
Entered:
11h42
